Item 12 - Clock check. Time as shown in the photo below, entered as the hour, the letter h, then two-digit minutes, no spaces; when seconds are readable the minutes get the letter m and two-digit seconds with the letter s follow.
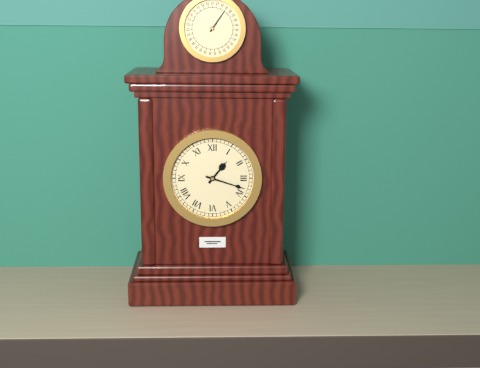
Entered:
1h18
